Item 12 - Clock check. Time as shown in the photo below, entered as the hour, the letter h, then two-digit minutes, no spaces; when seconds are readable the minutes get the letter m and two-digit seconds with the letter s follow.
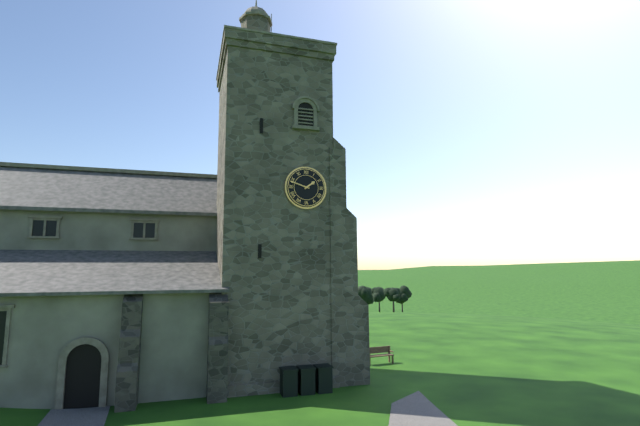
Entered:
1h48
